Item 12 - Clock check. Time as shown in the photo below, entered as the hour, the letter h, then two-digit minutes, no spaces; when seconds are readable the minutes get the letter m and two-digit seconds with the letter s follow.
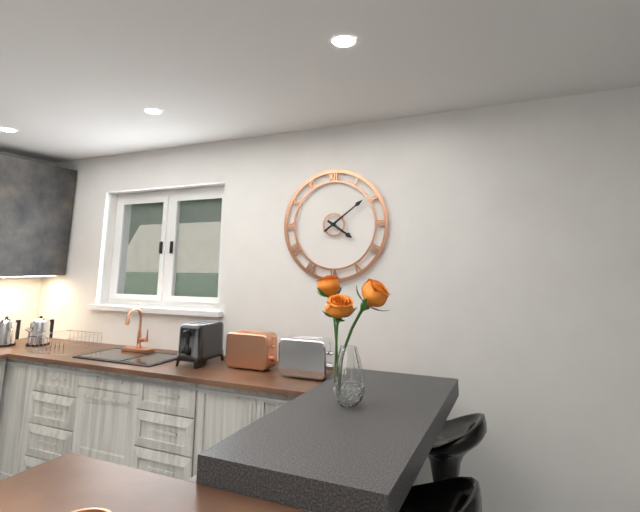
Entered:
4h09
